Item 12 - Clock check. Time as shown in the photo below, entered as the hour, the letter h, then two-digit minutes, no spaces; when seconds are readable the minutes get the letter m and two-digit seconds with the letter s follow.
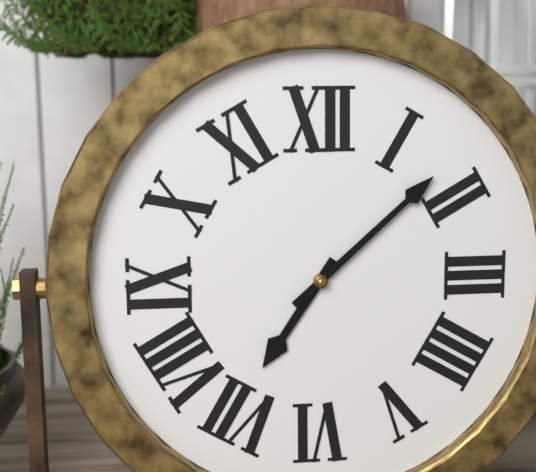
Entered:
7h08
